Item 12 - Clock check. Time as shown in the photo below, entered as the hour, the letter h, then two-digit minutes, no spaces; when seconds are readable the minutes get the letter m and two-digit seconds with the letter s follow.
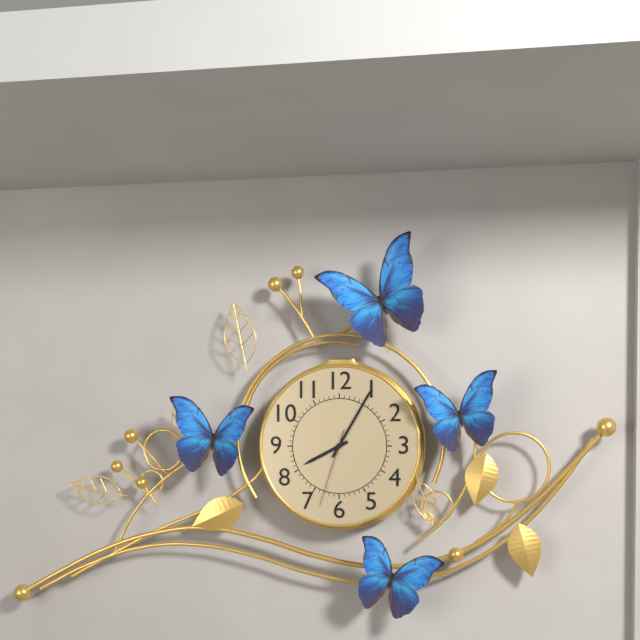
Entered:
8h05m33s
